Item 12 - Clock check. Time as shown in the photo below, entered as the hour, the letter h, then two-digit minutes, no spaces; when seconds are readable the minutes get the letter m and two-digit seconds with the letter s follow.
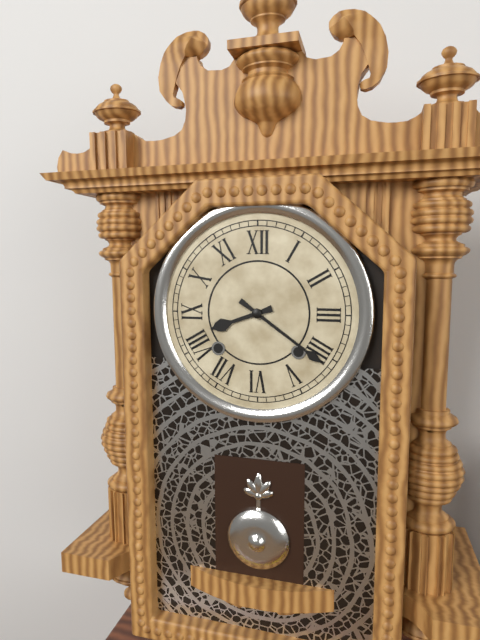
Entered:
8h21
